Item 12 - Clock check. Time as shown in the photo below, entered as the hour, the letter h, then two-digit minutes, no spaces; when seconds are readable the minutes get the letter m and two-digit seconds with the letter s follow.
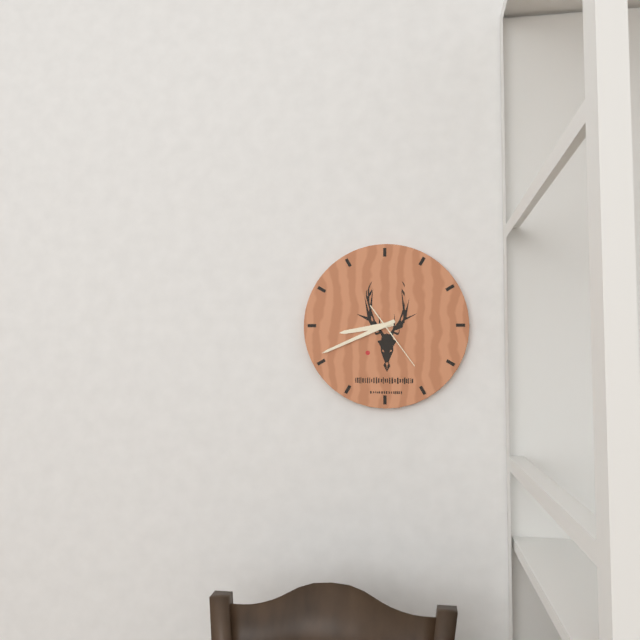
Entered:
8h41m24s
